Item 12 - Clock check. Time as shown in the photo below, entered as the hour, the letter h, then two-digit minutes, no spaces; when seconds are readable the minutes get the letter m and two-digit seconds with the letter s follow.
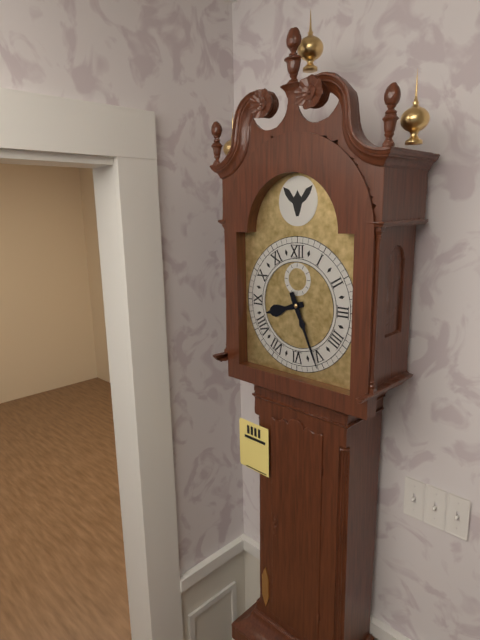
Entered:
8h26
